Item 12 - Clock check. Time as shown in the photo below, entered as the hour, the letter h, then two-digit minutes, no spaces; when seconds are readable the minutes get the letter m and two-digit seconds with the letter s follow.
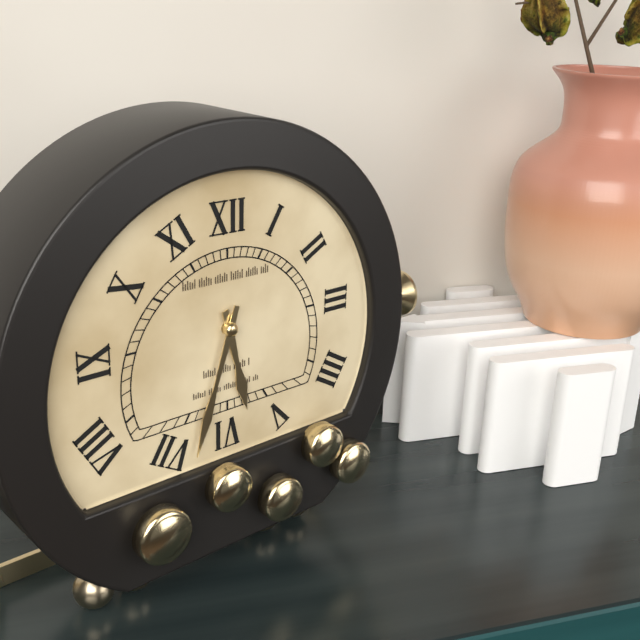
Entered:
5h33
